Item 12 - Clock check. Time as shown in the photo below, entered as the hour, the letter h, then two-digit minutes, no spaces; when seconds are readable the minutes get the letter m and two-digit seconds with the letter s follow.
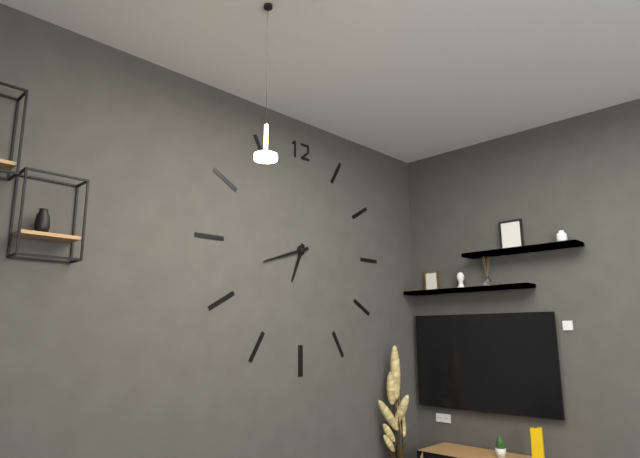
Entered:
6h42
